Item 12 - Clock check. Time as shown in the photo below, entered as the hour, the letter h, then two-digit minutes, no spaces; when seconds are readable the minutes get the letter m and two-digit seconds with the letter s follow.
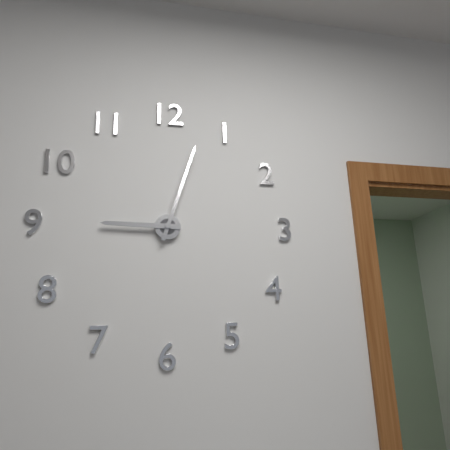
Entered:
9h03
